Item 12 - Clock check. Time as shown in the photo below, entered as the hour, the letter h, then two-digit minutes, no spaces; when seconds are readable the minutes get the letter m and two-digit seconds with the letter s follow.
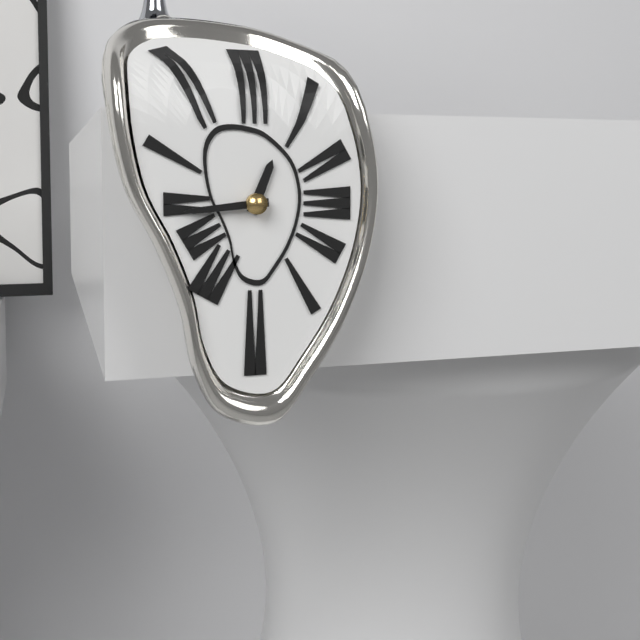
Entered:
12h44
